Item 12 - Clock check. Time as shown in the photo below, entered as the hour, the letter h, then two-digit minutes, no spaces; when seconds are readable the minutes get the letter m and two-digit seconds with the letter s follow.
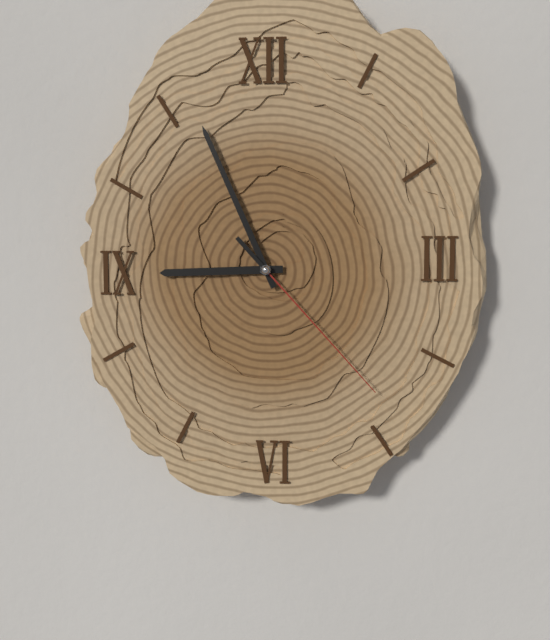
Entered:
8h56m23s
